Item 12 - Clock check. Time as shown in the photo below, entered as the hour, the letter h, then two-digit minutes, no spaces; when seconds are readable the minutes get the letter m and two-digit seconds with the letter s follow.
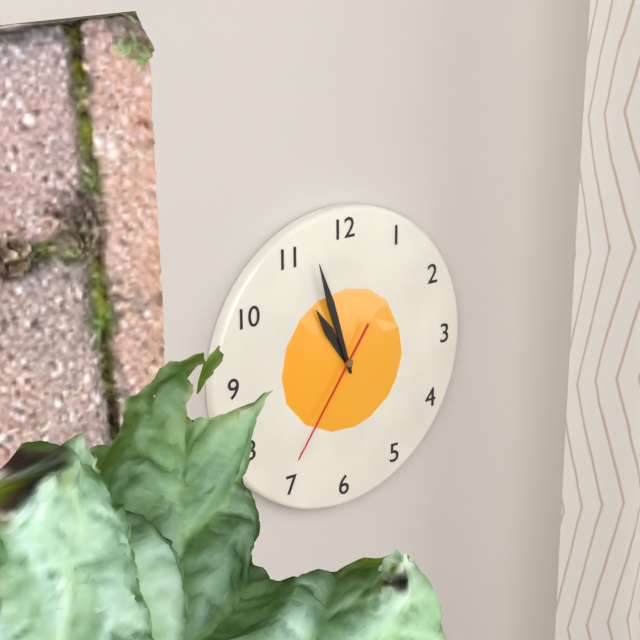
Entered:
10h57m36s
